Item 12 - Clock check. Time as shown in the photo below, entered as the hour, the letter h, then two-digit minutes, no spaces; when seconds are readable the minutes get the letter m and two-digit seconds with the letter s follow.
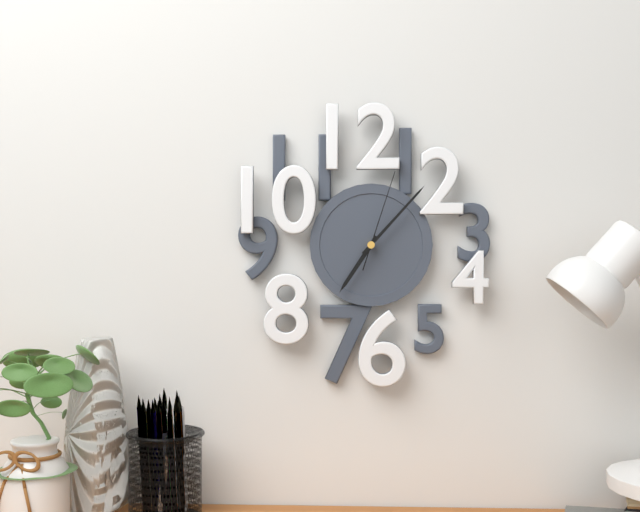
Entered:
7h07m03s
